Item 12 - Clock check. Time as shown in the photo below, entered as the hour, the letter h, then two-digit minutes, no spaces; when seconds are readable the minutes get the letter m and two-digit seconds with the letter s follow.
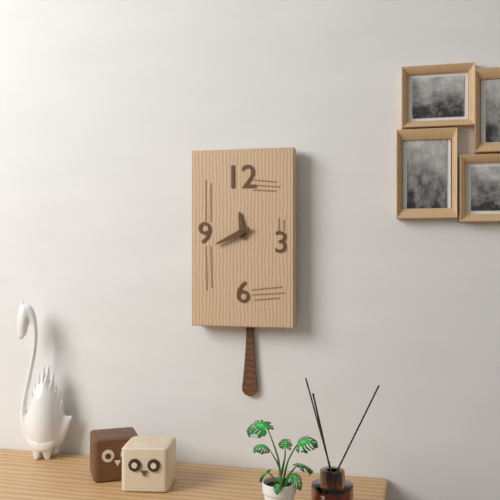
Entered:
11h41
